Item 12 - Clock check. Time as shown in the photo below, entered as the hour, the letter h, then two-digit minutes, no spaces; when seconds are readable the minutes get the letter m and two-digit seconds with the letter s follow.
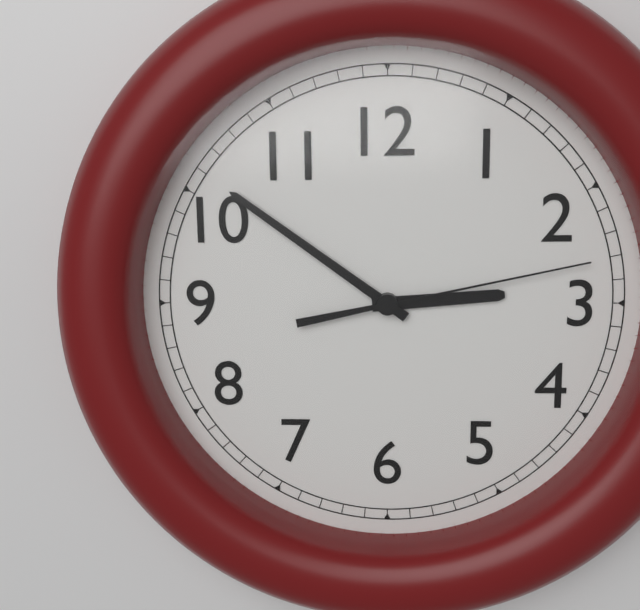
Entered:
2h51m13s
